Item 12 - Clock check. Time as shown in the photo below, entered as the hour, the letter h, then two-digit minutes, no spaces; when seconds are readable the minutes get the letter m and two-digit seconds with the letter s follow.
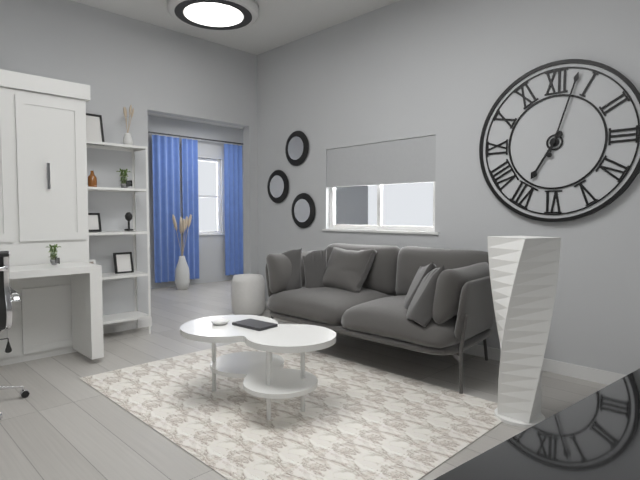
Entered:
7h03
